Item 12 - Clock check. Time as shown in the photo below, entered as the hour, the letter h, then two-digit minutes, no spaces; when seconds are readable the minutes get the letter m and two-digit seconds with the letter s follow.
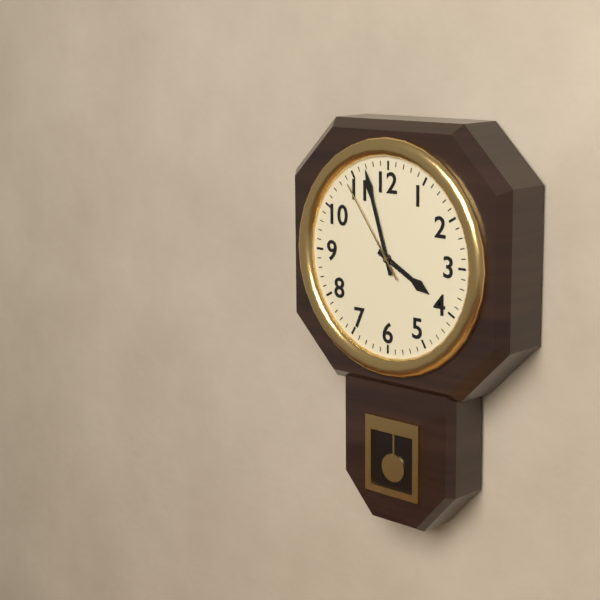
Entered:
3h57m54s
